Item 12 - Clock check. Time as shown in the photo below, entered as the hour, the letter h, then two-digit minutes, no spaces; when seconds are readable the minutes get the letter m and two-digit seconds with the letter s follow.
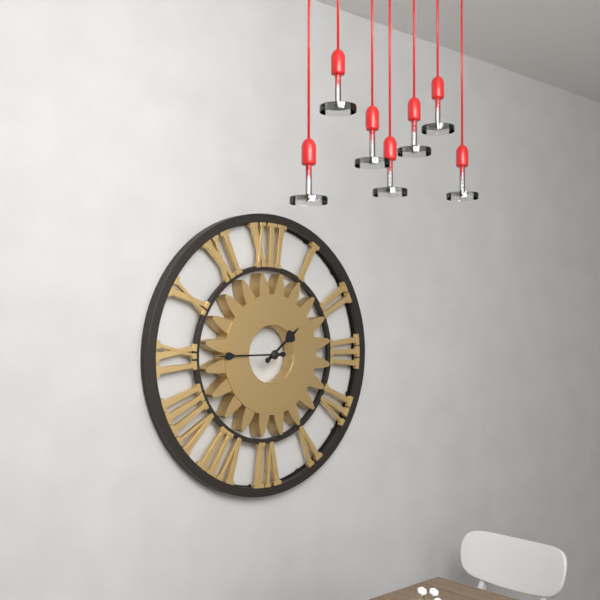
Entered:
1h45
